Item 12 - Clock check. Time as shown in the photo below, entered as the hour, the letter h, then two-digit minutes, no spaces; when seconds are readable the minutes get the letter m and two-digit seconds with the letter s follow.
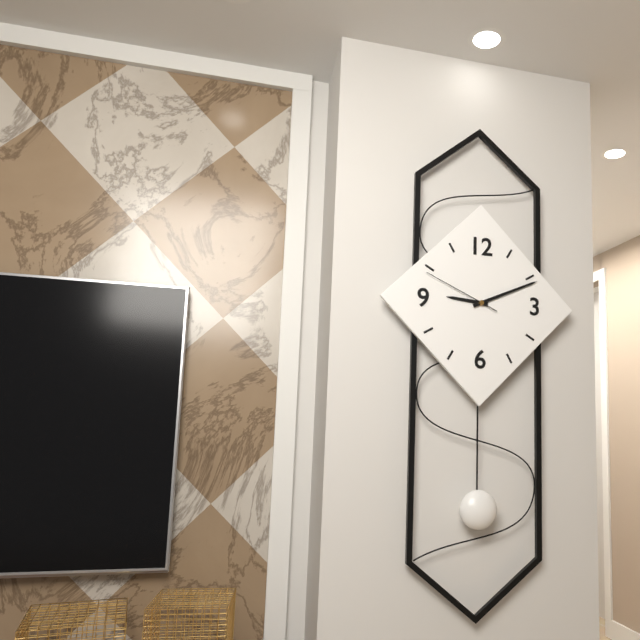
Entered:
9h11m49s
